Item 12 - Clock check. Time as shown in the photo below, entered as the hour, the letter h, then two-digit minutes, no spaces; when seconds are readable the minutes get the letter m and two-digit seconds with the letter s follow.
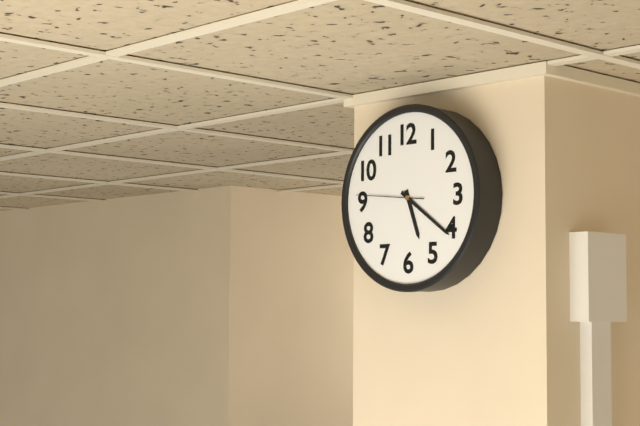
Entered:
5h21m46s
